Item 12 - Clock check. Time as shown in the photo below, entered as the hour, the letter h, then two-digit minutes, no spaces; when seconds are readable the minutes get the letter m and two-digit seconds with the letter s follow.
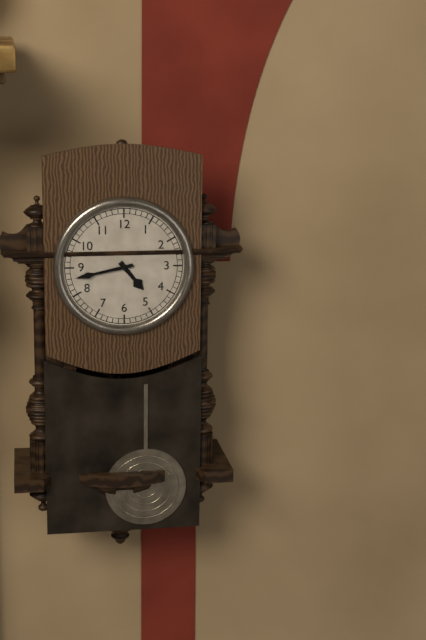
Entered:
4h43
